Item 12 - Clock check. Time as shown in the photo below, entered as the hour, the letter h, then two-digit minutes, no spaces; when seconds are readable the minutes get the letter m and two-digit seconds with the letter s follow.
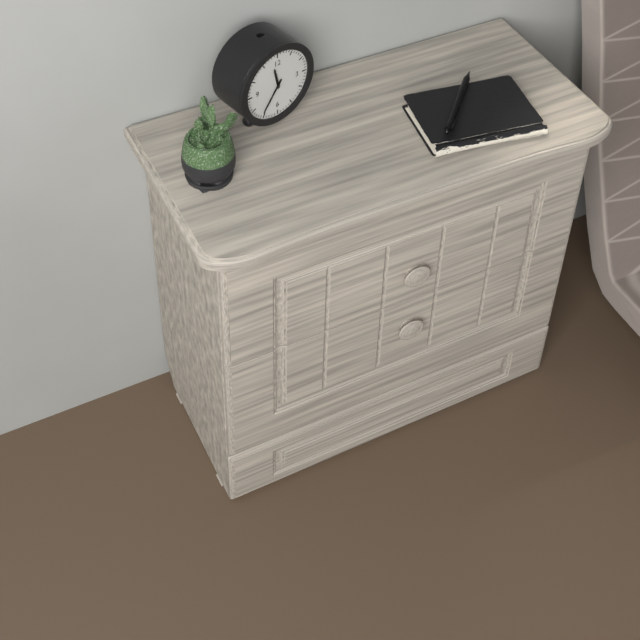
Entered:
11h36
